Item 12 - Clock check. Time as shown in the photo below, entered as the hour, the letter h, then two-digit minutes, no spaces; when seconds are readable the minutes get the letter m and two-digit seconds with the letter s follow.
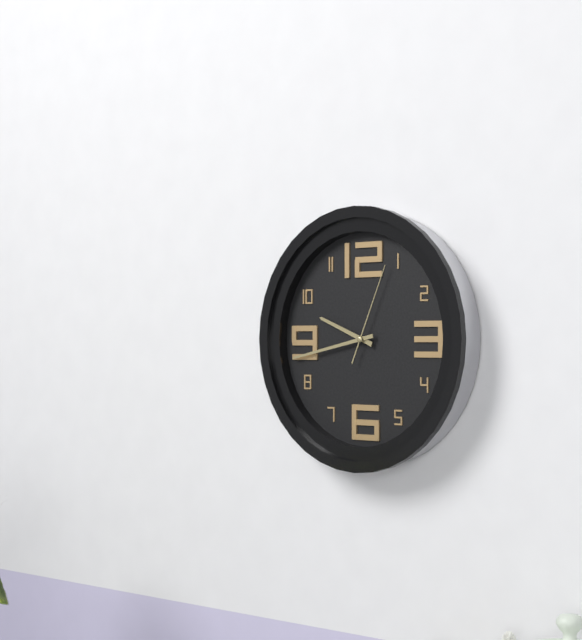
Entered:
9h43m04s
